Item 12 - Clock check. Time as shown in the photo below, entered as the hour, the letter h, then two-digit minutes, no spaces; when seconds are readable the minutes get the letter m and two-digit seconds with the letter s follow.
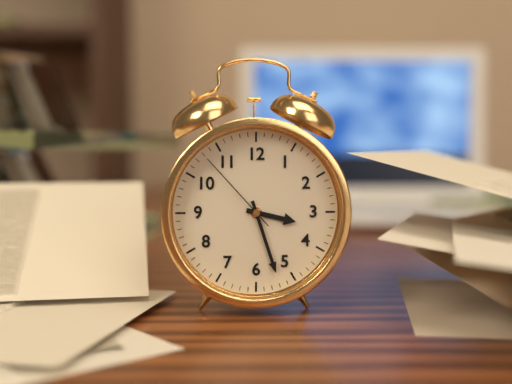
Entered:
3h27m53s
